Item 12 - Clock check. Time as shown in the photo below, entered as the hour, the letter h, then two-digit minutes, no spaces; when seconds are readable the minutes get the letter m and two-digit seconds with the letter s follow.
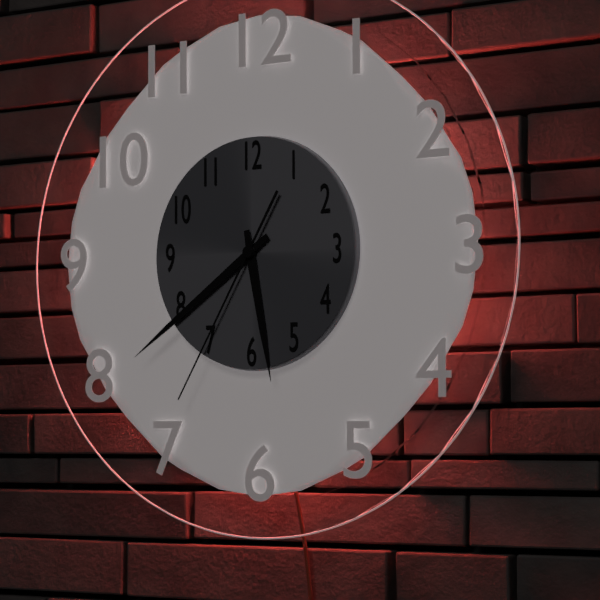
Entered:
5h39m35s
